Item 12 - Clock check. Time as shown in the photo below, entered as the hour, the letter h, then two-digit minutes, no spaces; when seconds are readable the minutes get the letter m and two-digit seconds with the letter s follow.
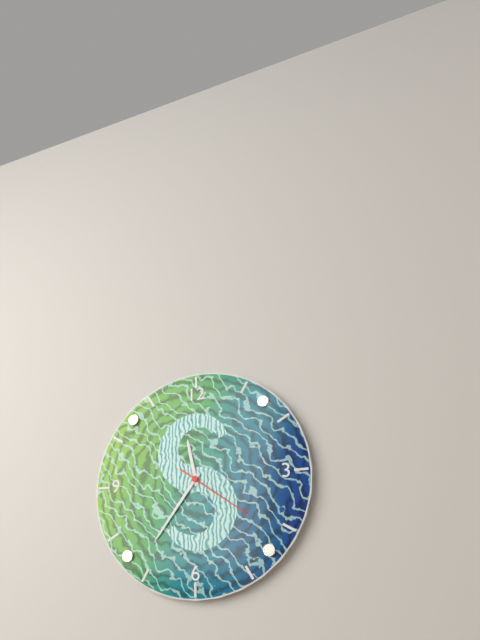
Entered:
11h36m21s
